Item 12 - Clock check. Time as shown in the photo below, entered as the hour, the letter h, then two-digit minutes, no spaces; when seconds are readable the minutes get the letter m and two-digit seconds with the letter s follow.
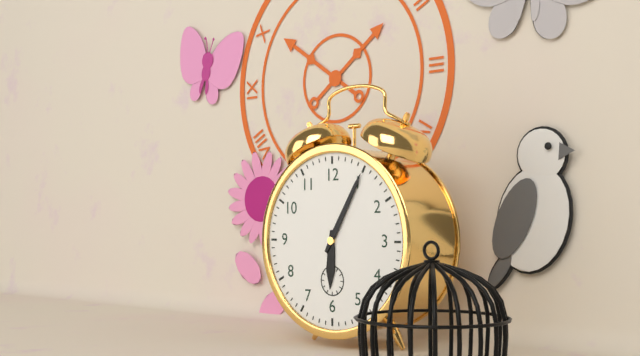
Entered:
6h05
